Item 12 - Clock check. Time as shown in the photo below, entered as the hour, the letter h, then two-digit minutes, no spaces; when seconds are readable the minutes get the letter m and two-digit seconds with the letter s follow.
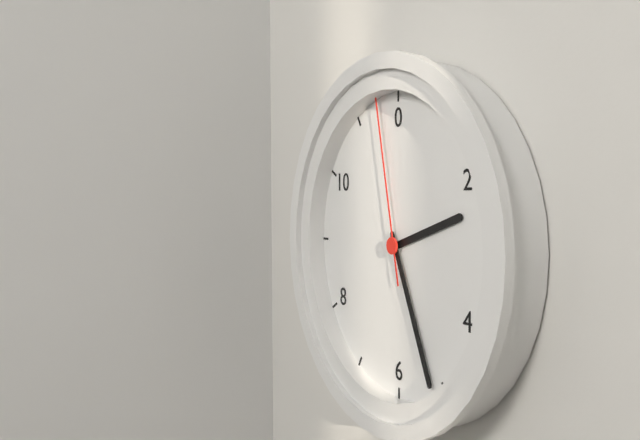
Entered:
2h26m58s
